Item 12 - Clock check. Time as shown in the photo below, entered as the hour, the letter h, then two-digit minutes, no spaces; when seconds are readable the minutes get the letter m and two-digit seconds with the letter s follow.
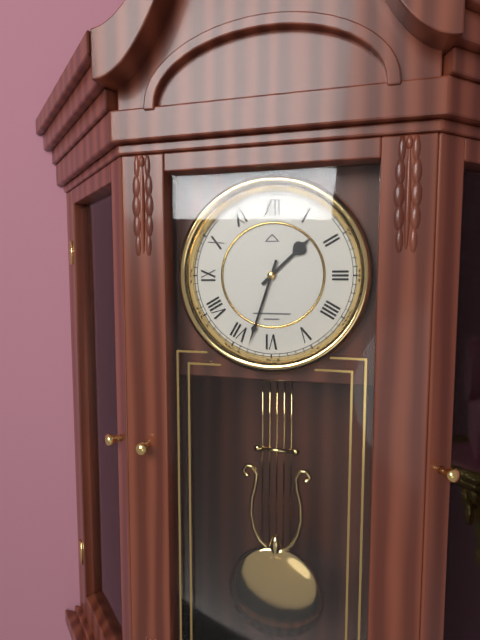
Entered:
1h33
